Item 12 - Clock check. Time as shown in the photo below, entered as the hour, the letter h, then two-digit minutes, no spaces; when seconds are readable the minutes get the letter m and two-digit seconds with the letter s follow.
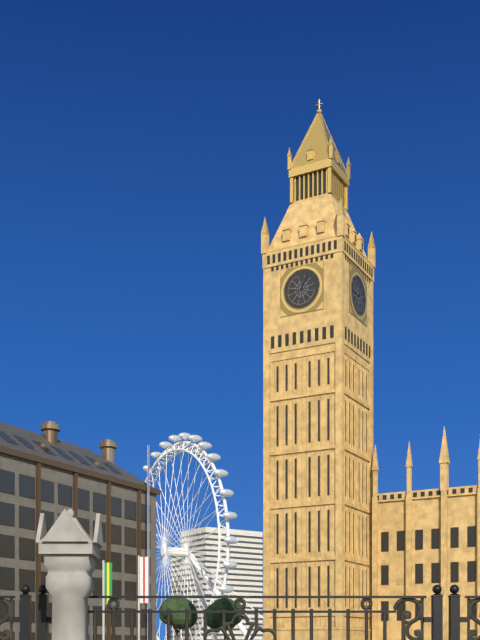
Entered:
12h45
